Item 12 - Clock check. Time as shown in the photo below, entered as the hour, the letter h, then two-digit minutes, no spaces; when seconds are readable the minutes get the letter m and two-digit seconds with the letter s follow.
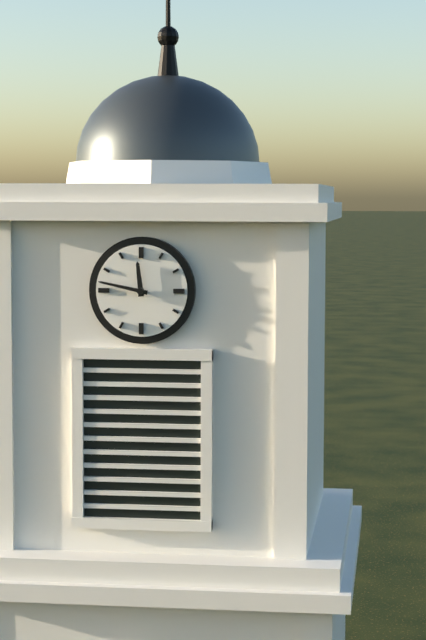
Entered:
11h47
